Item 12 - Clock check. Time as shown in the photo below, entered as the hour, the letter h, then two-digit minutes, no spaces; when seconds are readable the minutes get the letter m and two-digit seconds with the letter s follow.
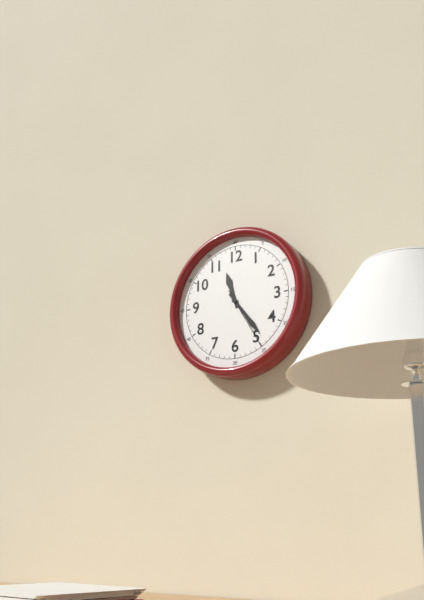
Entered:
11h24m25s
